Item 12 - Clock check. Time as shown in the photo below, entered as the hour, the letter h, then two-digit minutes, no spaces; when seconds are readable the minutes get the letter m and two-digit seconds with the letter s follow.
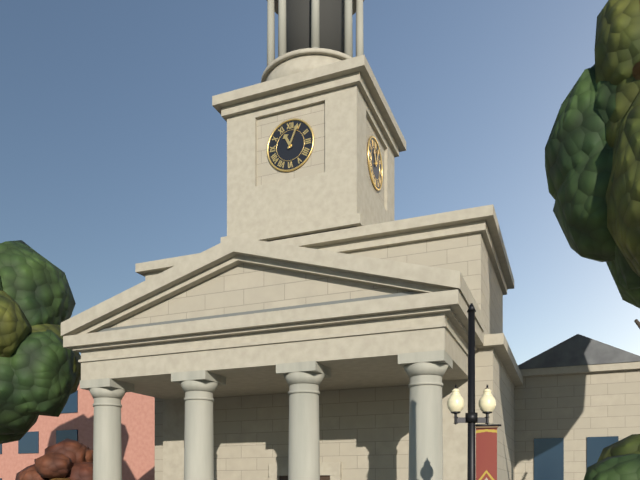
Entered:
11h04
